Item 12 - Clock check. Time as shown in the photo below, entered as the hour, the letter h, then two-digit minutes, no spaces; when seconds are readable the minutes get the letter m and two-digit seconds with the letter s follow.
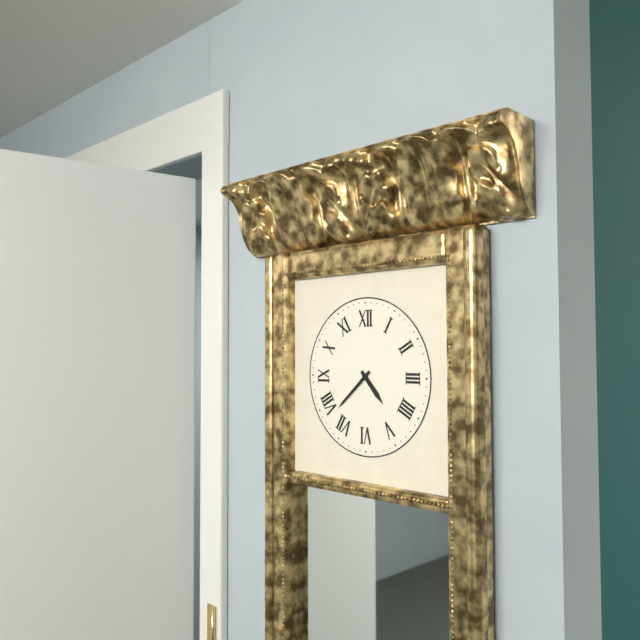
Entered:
4h38
